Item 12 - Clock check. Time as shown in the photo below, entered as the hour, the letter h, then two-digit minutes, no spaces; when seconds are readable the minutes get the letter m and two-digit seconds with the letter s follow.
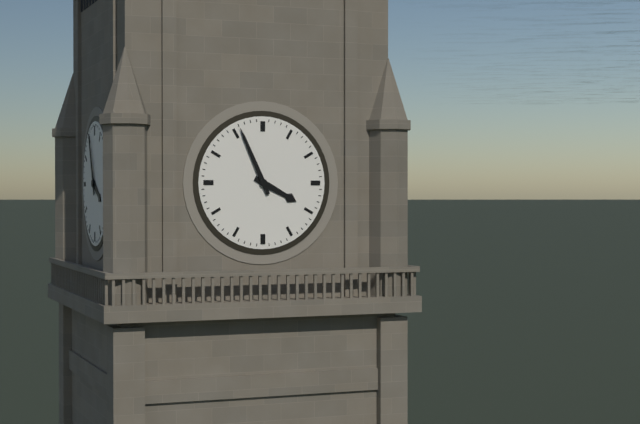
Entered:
3h56
